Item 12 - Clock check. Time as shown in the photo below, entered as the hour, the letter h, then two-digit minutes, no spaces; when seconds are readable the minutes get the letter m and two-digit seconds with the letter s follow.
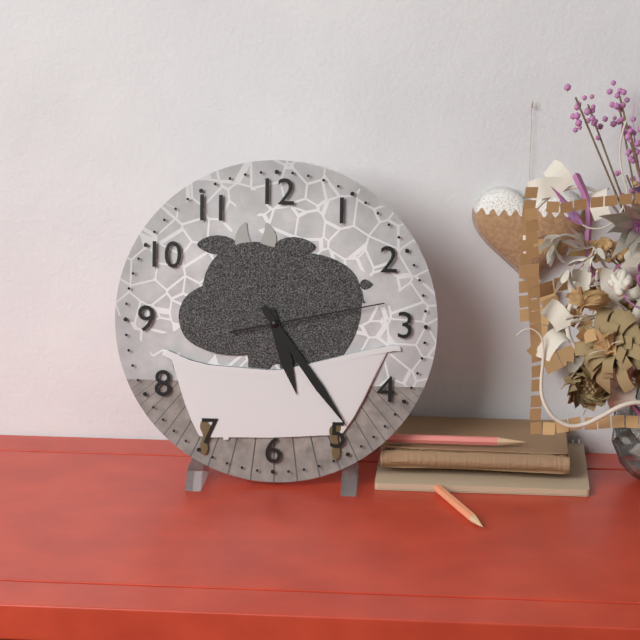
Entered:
5h24m13s
